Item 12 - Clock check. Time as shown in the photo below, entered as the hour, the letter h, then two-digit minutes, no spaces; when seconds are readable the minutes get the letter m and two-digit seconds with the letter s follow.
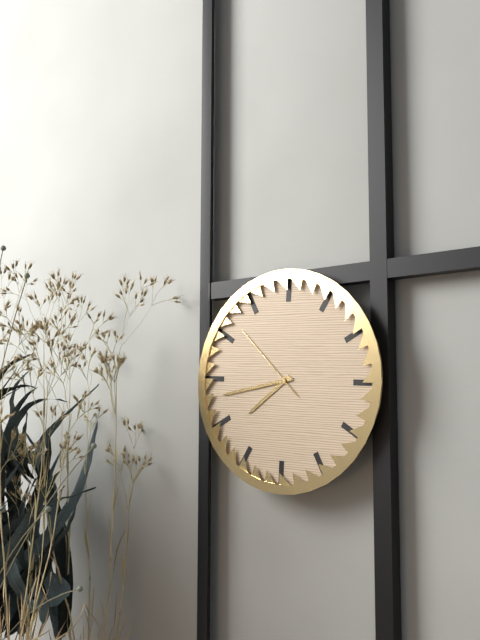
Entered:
7h43m52s
